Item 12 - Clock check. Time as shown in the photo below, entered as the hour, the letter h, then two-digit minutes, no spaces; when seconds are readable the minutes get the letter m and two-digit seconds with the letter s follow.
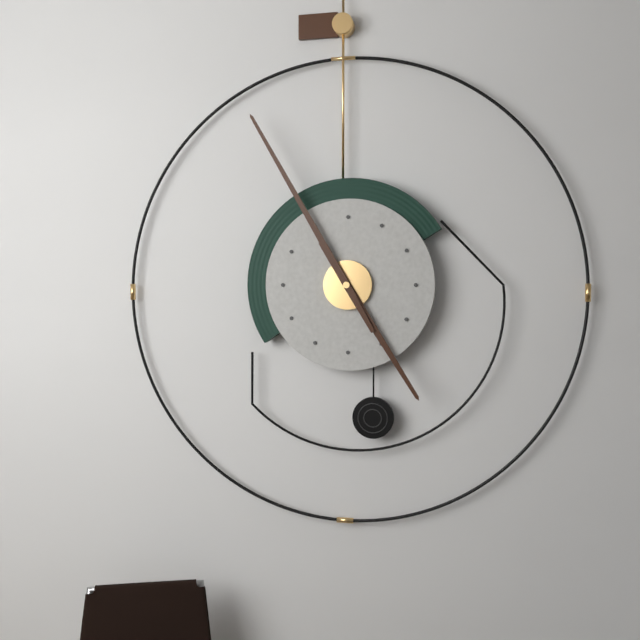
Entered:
4h55
